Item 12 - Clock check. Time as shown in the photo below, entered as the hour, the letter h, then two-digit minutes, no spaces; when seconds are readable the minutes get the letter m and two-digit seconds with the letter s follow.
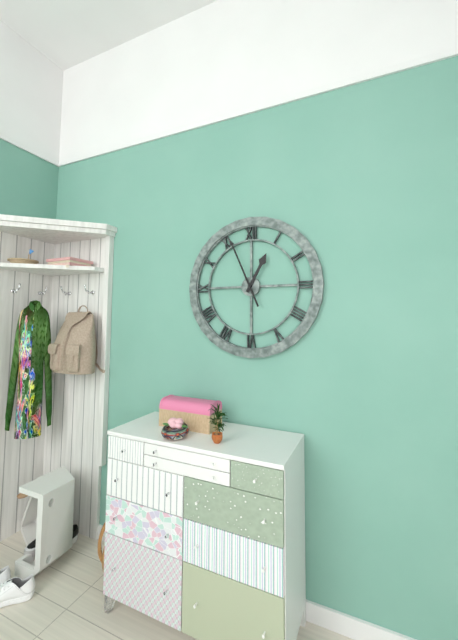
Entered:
12h56
